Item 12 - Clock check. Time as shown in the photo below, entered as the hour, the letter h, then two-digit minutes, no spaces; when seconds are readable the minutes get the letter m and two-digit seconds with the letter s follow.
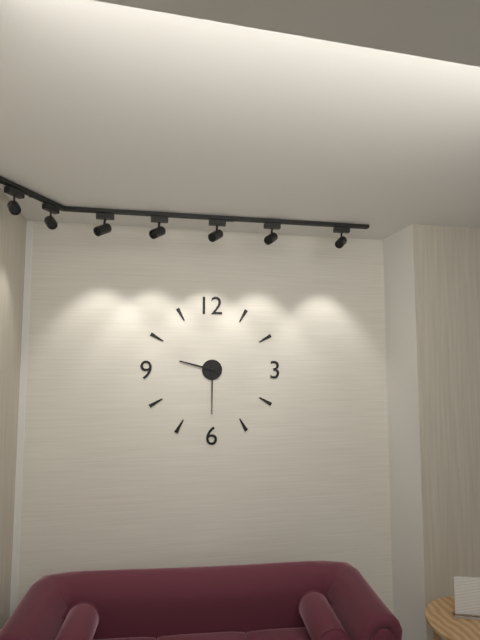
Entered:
9h30
